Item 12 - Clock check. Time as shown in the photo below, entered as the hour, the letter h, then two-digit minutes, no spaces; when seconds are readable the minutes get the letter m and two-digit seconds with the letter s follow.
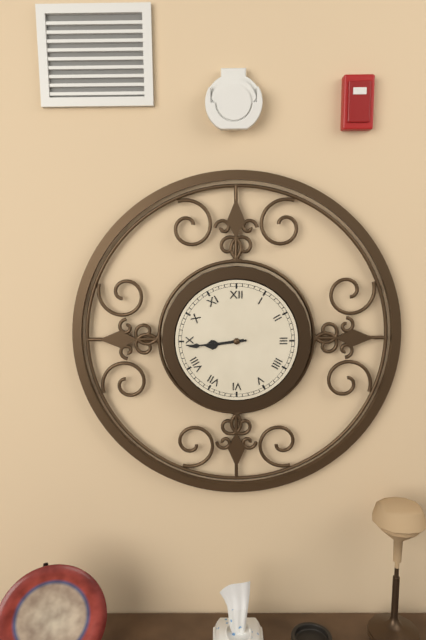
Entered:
8h44
